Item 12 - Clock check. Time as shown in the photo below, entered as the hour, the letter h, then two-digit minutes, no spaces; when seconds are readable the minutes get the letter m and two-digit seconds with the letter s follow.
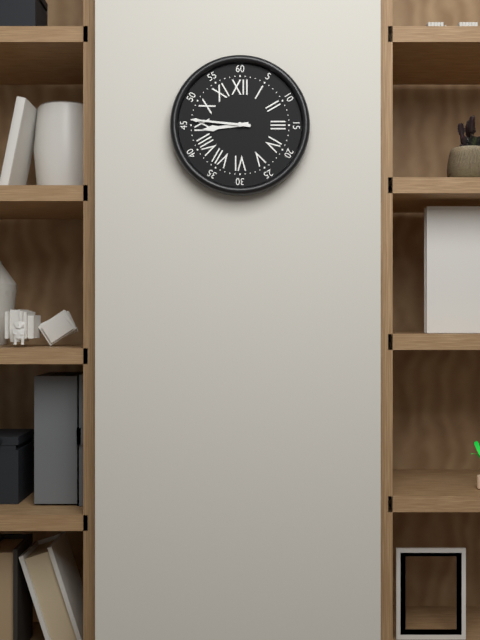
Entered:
8h46
